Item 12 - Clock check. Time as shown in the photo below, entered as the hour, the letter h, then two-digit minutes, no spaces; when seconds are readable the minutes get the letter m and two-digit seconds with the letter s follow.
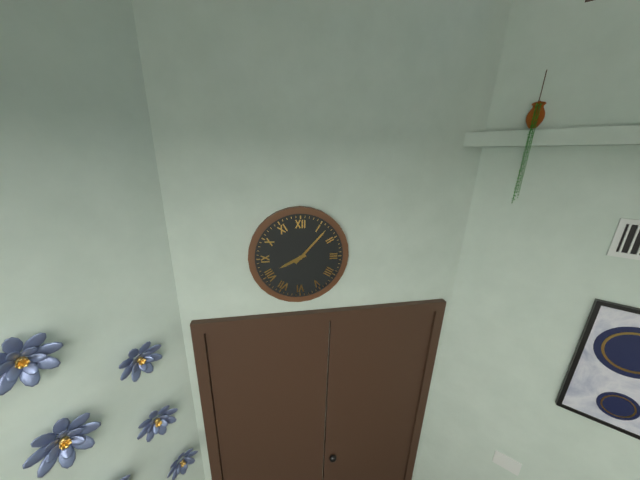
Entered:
8h07
